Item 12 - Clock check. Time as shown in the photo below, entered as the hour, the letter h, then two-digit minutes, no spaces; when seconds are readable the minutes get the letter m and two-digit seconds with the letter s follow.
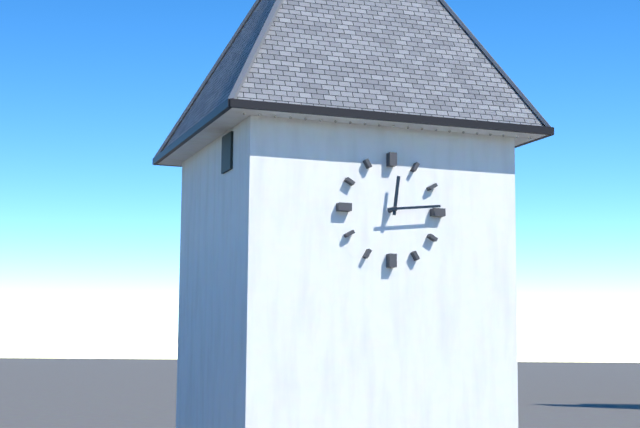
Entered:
12h14
